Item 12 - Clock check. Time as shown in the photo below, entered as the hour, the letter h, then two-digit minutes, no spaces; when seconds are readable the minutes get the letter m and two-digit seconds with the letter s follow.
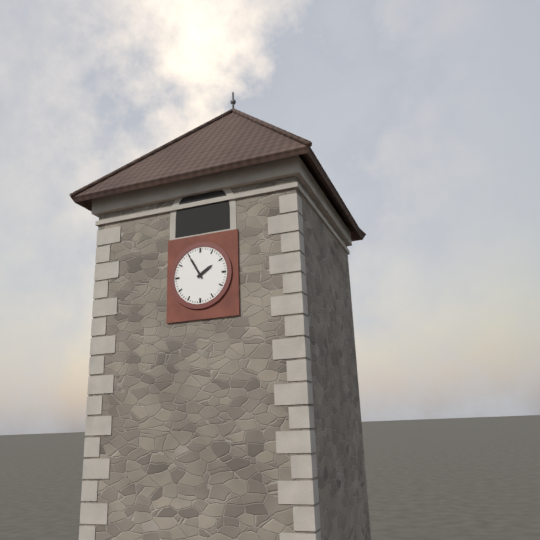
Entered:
1h55
